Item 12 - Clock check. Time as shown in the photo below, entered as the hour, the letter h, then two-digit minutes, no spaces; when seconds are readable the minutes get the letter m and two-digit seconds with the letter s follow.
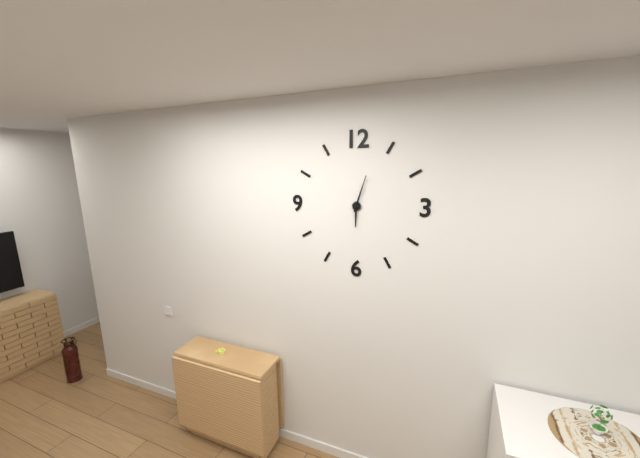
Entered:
6h03
